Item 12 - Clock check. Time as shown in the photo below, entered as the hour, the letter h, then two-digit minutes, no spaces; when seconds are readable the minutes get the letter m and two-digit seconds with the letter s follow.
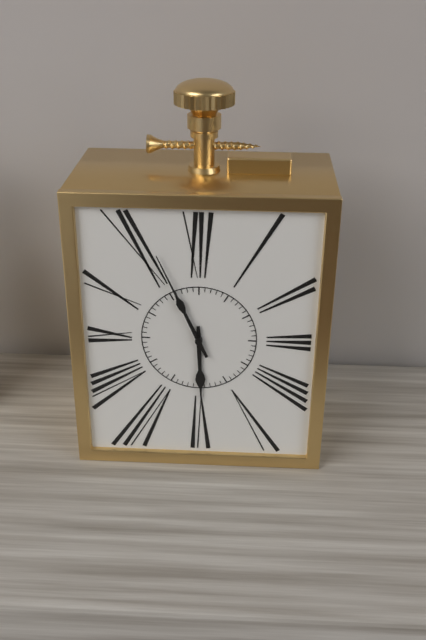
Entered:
5h56
